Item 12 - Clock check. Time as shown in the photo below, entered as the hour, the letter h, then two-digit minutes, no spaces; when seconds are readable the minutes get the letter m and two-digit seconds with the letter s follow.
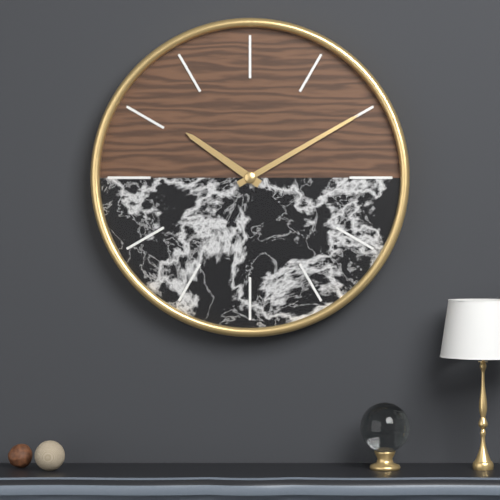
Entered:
10h10
